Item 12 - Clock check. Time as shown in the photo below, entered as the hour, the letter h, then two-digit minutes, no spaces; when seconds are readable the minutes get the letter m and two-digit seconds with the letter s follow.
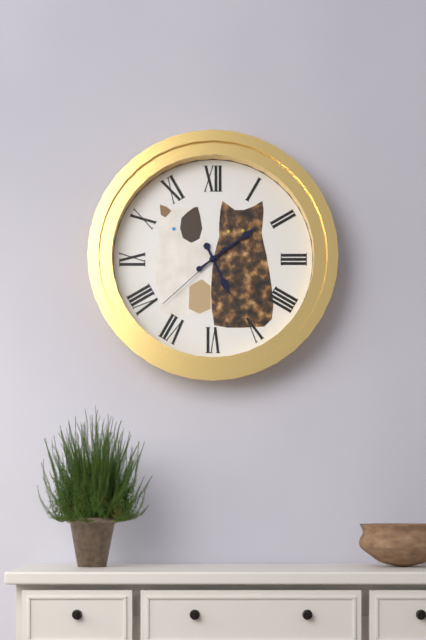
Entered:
5h09m38s
